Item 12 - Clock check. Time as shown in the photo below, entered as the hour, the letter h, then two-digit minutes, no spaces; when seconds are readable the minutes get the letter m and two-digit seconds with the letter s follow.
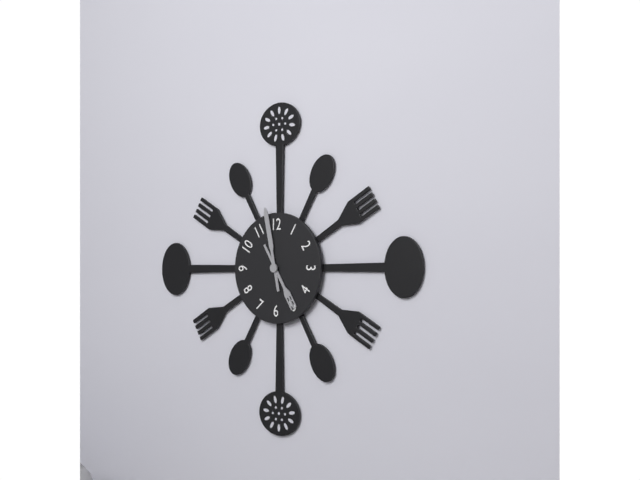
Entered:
4h58
